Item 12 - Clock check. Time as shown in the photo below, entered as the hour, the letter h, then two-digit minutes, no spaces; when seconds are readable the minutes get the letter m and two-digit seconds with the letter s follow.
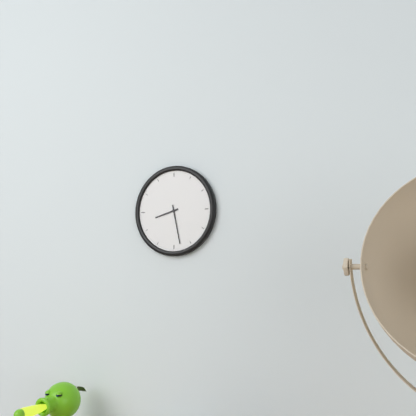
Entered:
8h28
